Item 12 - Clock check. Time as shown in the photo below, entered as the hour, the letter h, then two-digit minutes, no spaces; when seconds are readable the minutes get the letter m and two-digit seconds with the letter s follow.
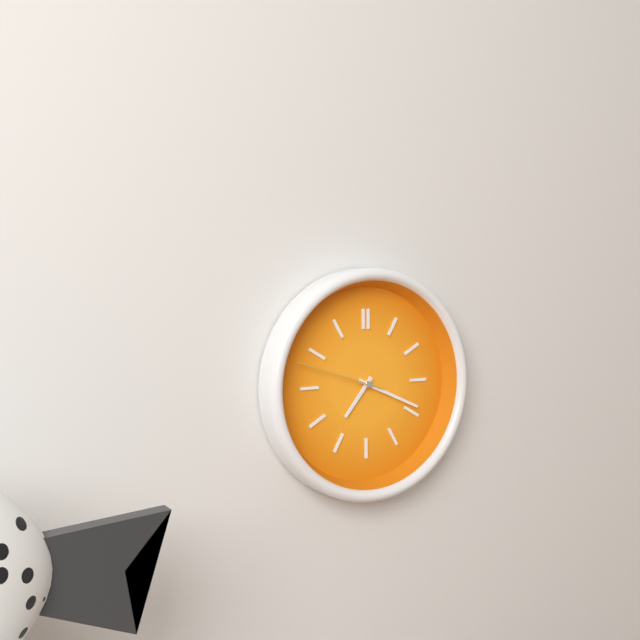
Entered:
7h19m48s
